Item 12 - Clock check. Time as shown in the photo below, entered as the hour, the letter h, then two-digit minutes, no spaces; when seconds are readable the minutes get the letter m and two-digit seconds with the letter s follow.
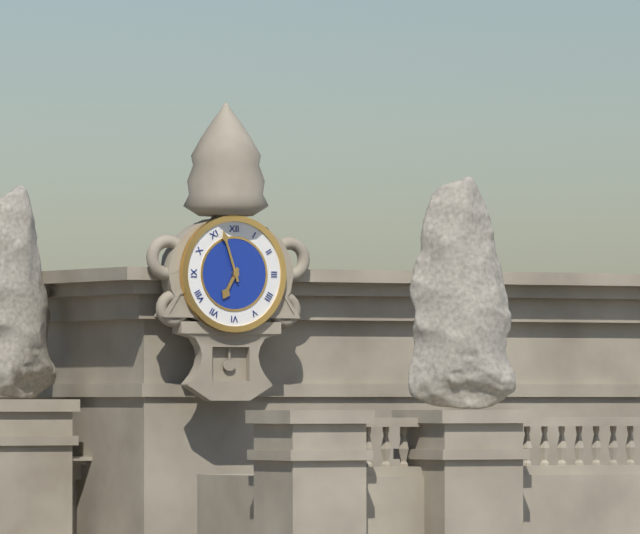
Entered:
6h57
